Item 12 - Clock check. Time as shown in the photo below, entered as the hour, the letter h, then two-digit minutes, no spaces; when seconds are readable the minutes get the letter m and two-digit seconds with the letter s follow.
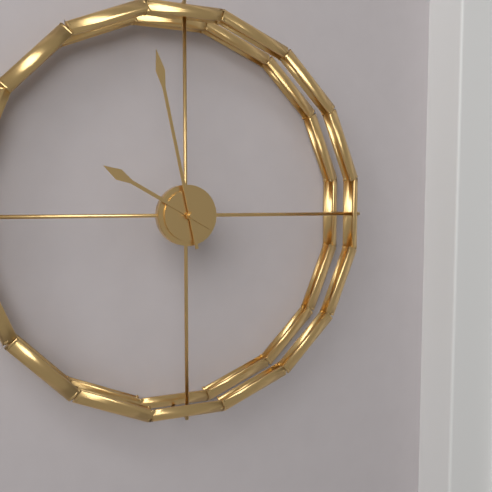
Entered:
9h58
